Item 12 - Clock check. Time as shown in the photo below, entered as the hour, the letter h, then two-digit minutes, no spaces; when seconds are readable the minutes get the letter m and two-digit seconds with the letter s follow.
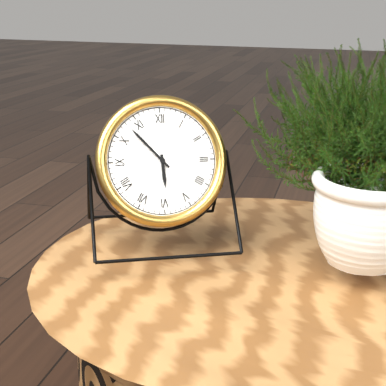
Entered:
5h53
